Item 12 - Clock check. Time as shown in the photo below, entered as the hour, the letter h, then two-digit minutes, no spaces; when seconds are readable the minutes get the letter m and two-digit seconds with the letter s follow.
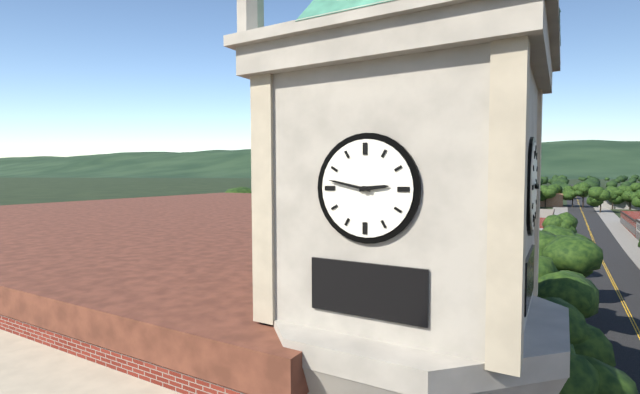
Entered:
2h47
